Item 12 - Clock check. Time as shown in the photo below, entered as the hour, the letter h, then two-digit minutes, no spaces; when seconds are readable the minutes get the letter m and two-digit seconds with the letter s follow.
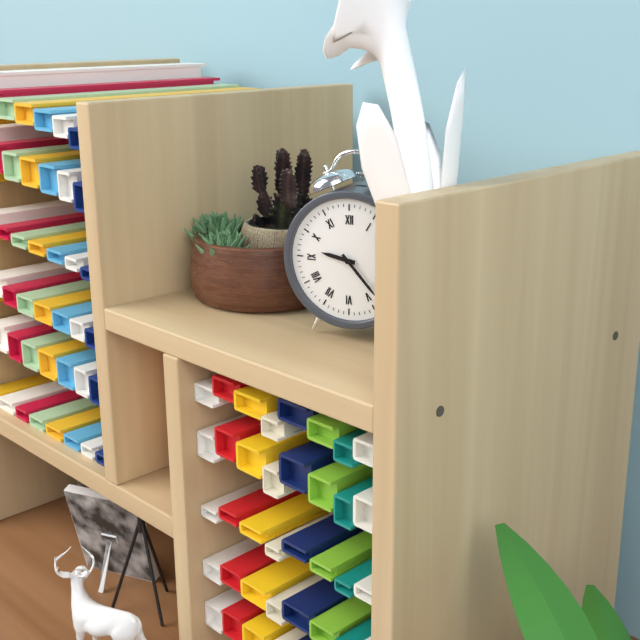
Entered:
9h23
